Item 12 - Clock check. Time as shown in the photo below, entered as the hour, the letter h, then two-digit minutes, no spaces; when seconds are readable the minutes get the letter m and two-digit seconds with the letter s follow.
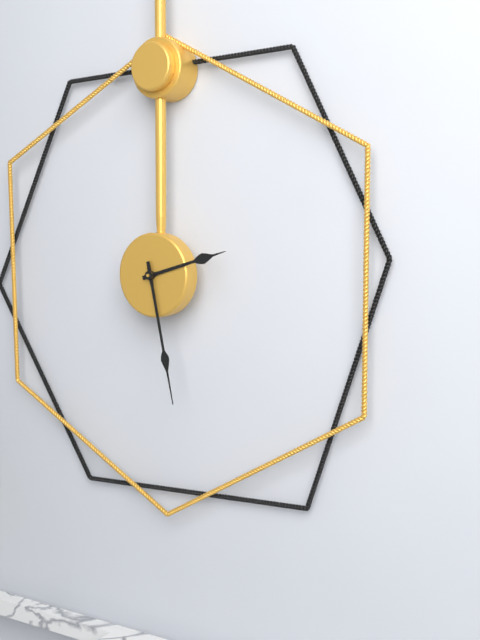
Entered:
2h28
